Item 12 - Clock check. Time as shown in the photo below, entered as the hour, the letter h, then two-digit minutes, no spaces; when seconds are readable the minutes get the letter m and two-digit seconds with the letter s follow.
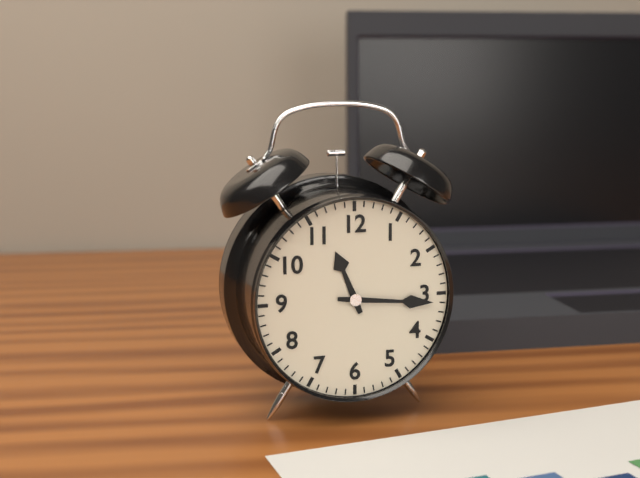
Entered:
11h16
